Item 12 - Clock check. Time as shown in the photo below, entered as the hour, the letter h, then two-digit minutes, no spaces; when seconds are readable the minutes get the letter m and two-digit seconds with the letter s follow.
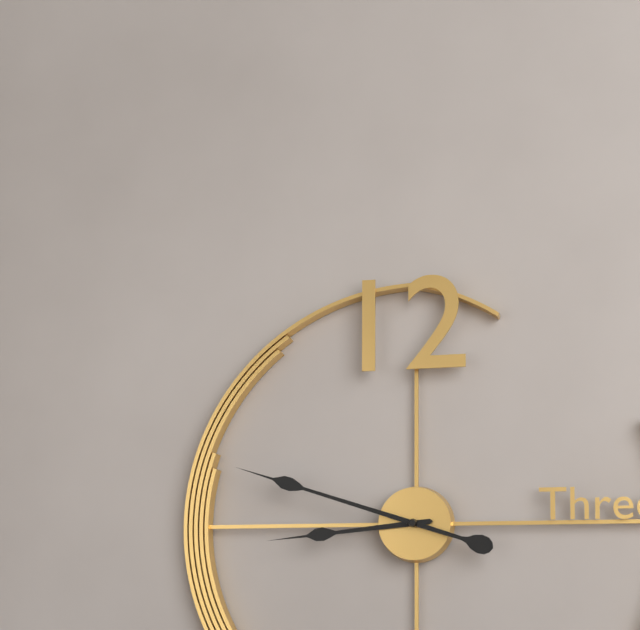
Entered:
8h48
